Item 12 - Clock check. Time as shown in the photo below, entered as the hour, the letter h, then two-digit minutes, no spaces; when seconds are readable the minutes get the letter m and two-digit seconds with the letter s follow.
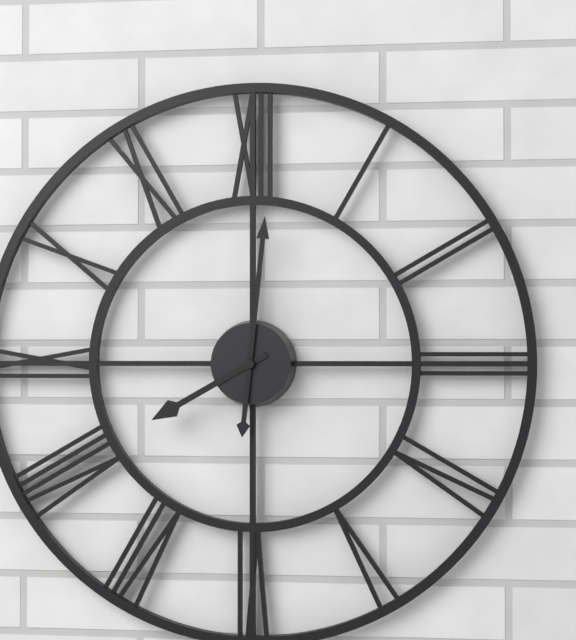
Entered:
8h01
